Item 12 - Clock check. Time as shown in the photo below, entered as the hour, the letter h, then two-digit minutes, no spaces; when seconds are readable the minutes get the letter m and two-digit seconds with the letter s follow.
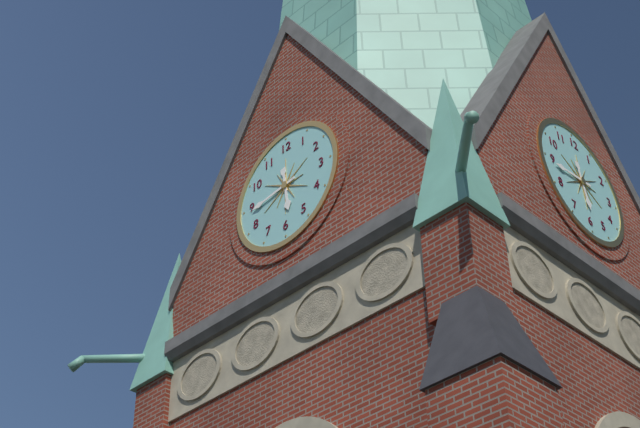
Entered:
5h44
